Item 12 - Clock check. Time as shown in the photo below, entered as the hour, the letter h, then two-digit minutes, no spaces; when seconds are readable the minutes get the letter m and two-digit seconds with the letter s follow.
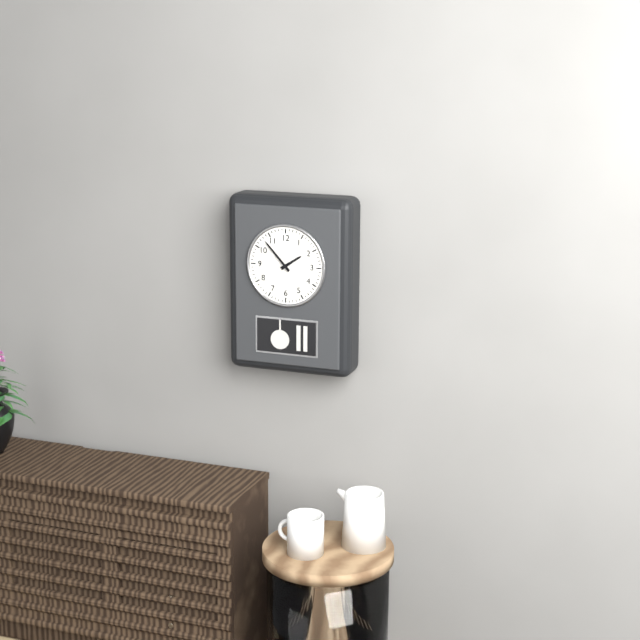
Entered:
1h53
